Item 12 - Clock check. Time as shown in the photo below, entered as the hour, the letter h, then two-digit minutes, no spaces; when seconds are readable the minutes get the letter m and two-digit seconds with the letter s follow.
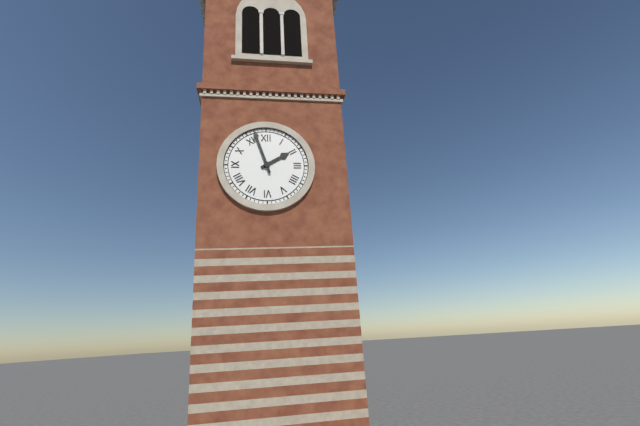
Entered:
1h57
